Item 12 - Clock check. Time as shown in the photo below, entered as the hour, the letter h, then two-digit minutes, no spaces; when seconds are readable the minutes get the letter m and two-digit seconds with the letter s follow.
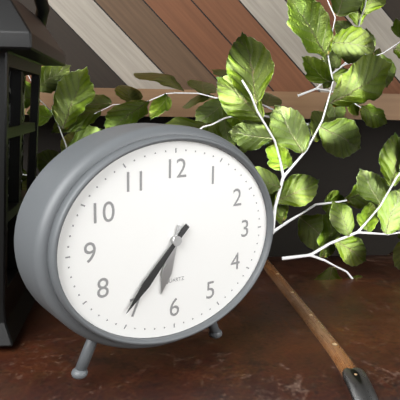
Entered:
6h37
